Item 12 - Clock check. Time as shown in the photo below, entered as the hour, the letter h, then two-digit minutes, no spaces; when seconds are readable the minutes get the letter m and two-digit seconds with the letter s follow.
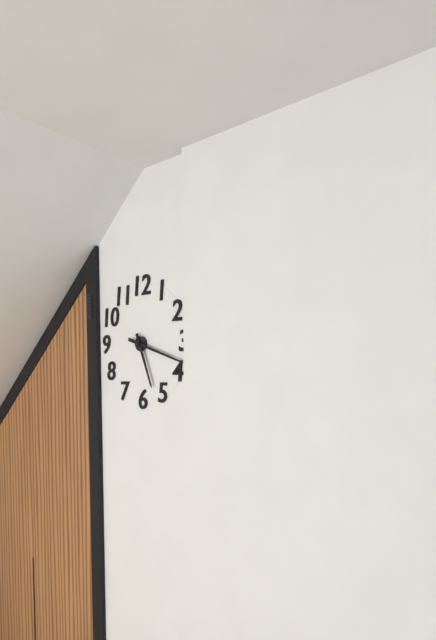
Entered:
5h18
